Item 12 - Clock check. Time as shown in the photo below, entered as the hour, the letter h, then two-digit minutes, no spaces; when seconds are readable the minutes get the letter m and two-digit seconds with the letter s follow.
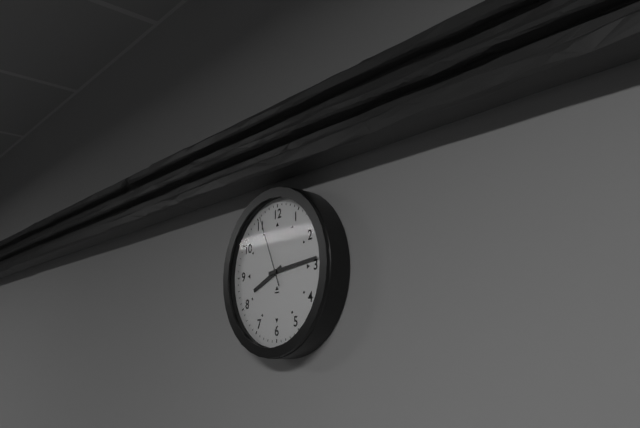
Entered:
8h14m56s
